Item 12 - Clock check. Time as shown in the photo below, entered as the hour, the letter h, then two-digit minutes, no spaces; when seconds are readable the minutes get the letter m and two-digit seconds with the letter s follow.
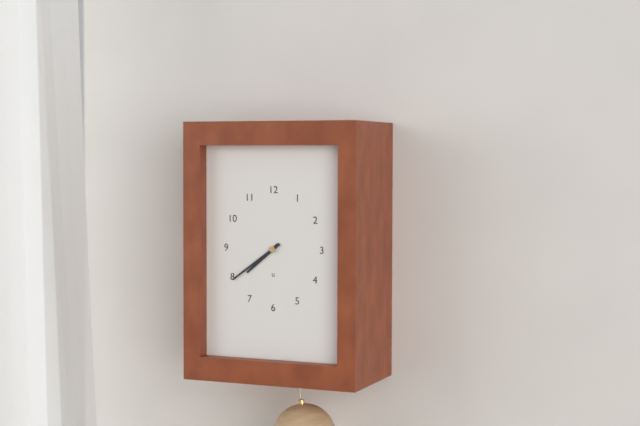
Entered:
7h39
